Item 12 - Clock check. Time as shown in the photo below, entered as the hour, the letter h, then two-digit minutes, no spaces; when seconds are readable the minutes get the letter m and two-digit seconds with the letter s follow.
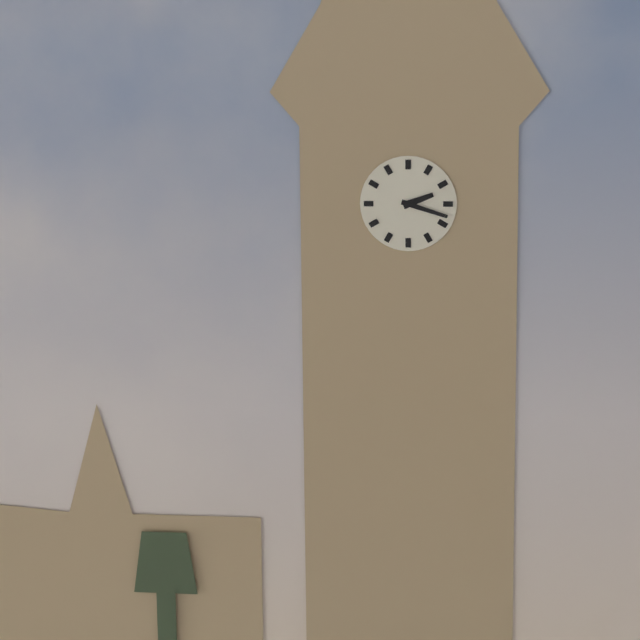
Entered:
2h18
